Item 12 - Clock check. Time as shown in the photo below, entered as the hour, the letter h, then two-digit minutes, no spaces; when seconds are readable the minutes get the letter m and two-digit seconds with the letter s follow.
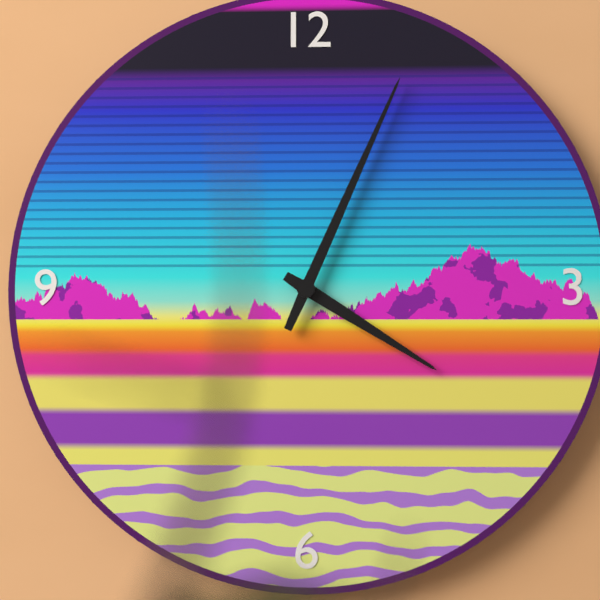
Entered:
4h04
